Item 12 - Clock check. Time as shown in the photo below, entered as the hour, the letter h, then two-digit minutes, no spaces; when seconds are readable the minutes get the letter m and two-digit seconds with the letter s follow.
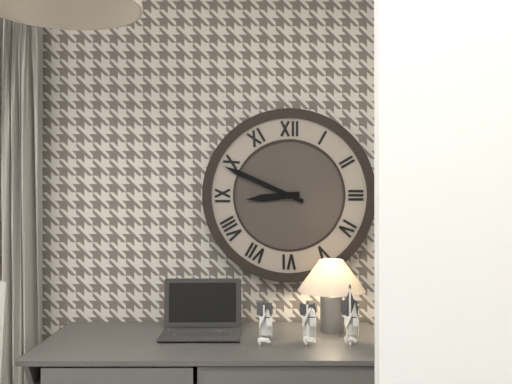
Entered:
8h49
